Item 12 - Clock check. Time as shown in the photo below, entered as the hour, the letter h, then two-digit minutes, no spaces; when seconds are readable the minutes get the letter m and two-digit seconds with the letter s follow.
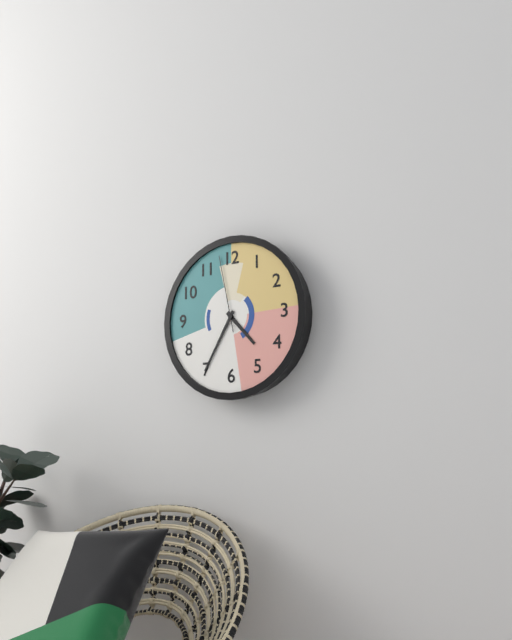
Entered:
4h35m58s
